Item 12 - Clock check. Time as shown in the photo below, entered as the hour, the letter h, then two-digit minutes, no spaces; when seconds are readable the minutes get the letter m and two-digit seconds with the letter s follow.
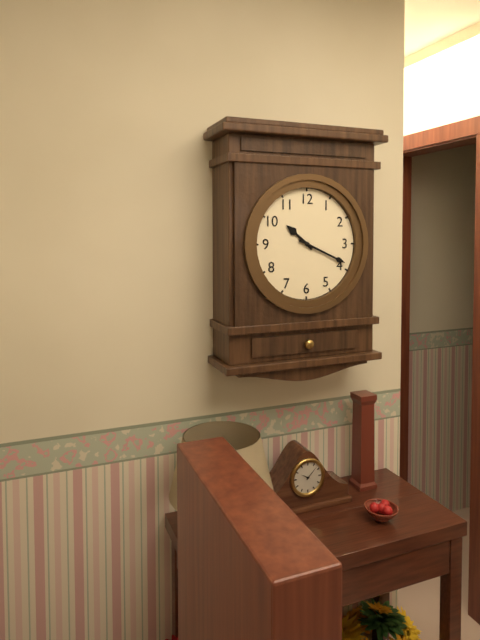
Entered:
10h19
